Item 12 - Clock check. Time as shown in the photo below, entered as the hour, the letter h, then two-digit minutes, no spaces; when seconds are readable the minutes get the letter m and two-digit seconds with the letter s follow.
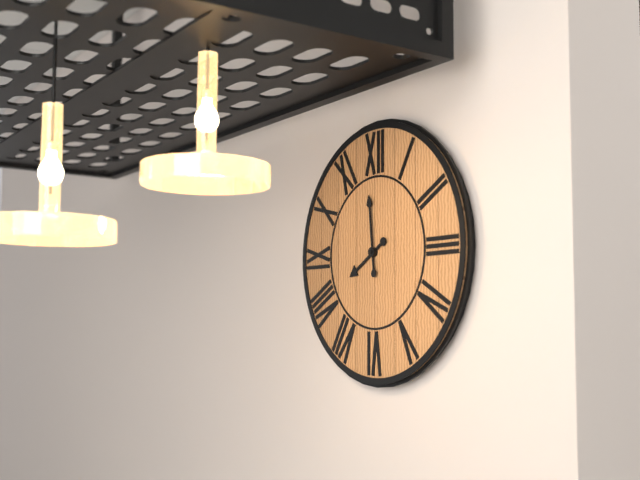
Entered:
7h59
